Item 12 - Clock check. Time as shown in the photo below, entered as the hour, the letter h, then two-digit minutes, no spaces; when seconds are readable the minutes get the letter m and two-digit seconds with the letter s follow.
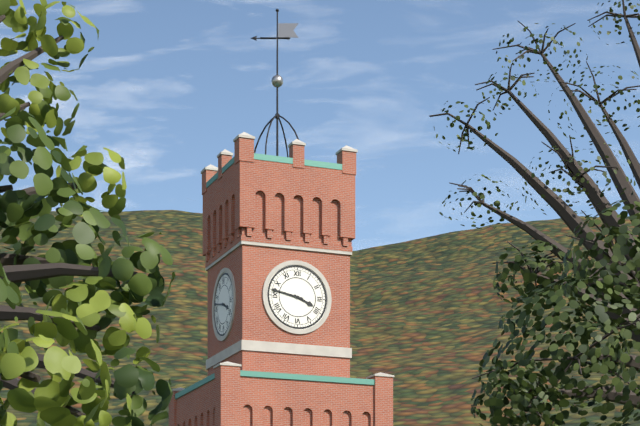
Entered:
3h47
